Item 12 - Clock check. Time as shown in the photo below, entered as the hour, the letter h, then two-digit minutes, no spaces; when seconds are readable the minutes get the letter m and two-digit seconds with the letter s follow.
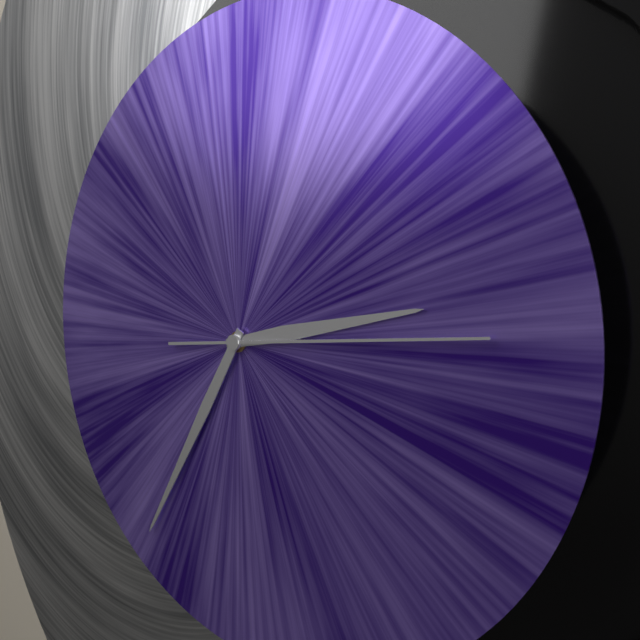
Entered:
2h35m14s
